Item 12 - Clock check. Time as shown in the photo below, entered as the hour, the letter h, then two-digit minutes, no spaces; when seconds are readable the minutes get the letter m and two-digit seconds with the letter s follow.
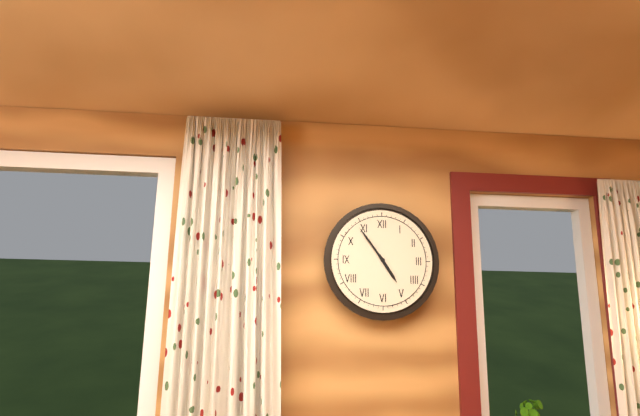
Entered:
4h54
